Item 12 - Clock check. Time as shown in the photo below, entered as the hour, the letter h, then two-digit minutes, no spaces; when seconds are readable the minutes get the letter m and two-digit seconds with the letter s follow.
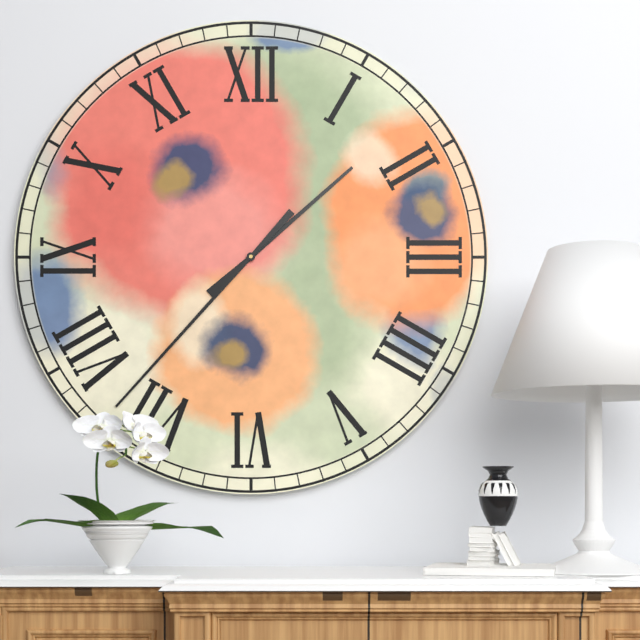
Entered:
1h37
